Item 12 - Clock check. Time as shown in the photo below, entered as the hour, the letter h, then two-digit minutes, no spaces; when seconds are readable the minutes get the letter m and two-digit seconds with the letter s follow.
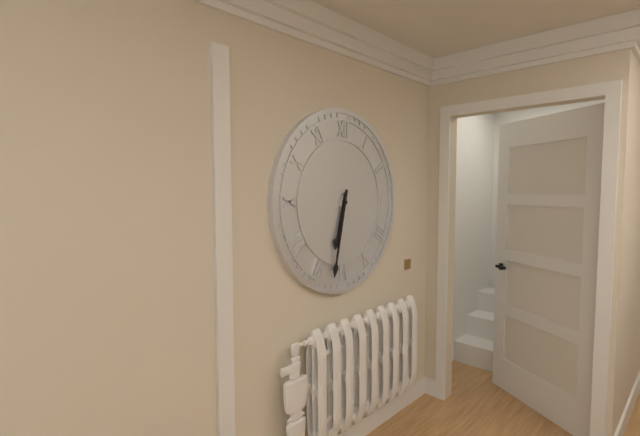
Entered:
6h32
